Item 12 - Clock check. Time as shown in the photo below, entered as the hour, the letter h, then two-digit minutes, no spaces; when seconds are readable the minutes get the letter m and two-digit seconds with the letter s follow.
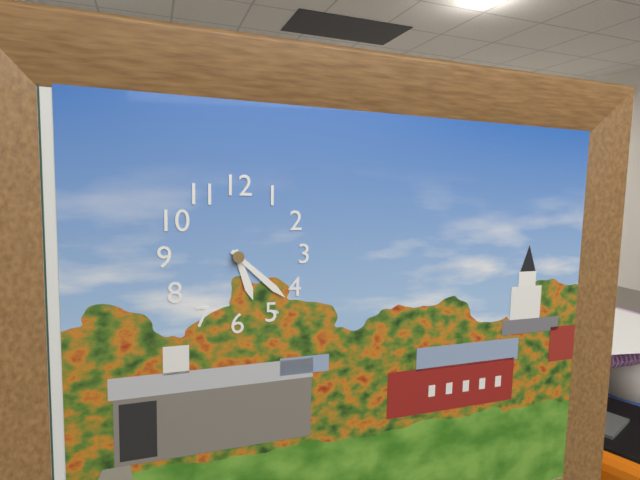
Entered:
5h22
